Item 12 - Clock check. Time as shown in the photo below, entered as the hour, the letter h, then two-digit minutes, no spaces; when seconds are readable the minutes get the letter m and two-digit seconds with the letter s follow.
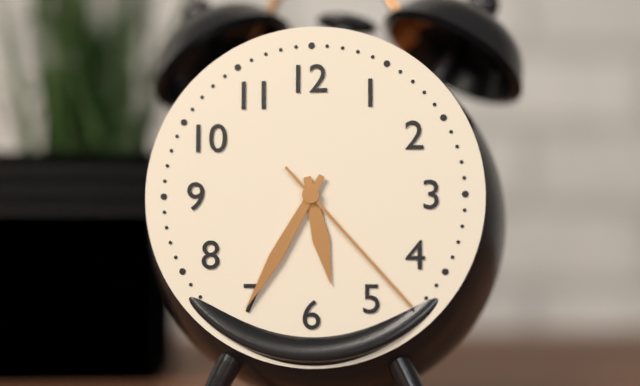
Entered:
5h35m23s
